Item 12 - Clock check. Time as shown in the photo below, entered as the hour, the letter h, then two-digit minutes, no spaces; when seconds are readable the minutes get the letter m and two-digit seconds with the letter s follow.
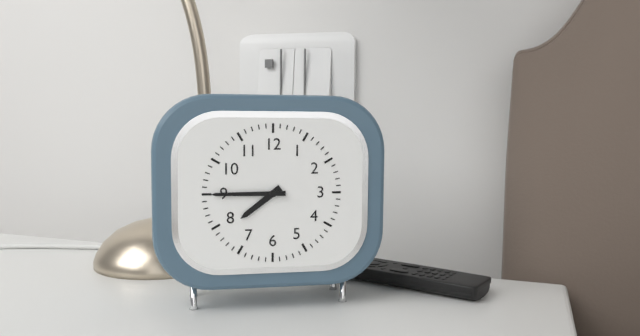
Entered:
7h45
